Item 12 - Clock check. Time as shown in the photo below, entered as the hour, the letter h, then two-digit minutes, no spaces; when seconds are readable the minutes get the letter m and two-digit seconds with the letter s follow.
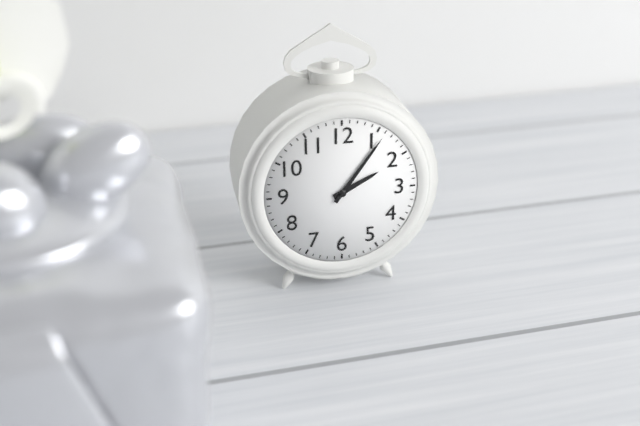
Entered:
2h06
